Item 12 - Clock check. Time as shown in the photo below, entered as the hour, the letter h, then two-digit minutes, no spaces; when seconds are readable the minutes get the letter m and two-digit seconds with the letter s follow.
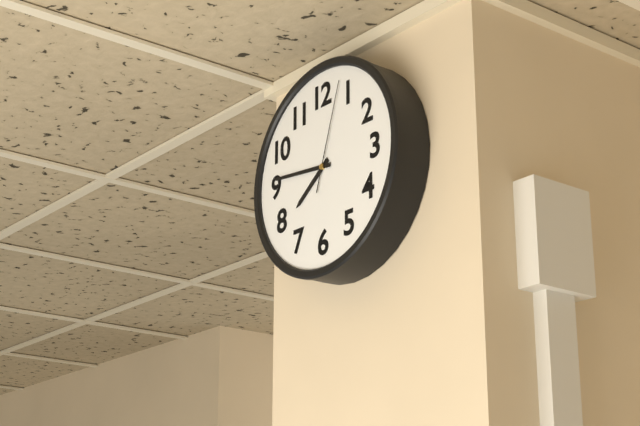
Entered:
7h46m03s
